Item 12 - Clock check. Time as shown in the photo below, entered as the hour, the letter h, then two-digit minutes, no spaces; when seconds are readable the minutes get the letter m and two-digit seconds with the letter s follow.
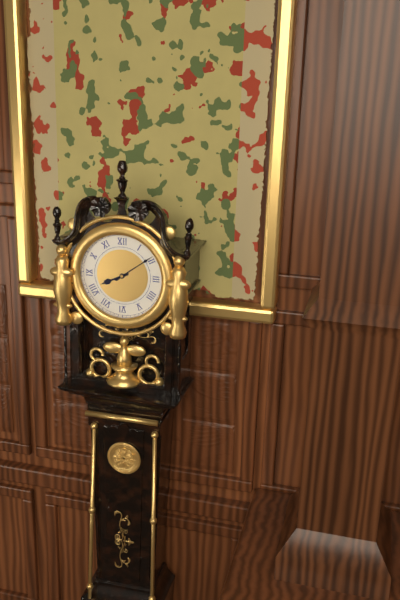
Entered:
8h09
